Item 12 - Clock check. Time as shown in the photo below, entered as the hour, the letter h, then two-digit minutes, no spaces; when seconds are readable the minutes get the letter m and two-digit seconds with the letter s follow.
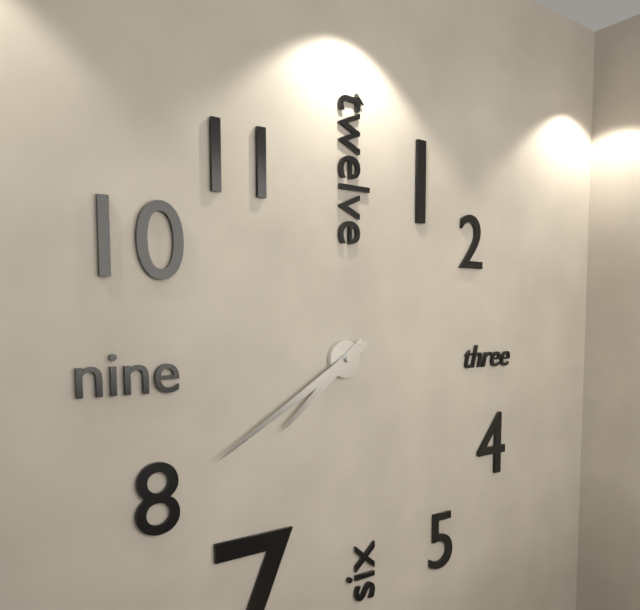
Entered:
7h40
